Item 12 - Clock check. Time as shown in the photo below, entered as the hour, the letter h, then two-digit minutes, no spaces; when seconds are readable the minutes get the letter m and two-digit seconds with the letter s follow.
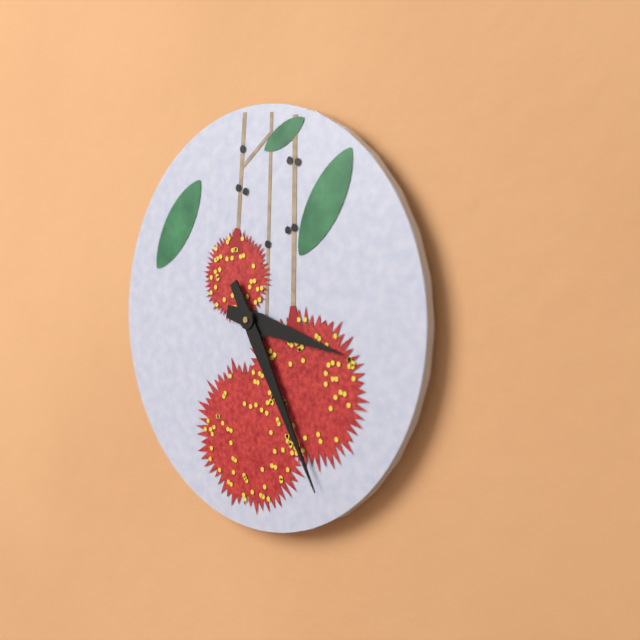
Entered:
3h25
